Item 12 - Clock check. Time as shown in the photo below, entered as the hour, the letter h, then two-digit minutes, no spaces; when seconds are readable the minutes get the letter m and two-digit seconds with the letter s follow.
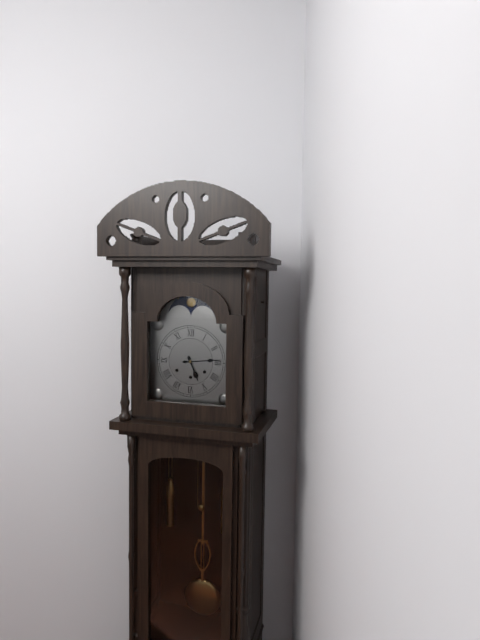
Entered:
5h14
